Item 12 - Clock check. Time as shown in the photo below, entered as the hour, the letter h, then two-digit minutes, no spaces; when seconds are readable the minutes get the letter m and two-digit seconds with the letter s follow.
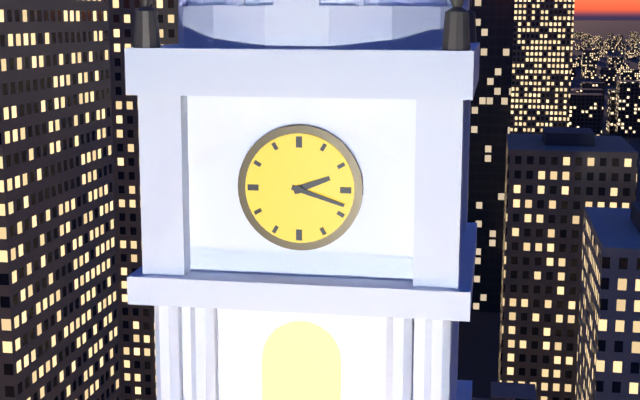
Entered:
2h18
